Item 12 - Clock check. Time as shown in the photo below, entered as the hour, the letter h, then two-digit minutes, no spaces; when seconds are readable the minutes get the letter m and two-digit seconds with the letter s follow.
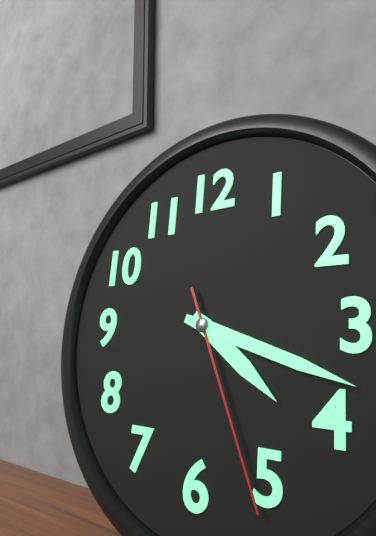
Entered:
4h18m26s
